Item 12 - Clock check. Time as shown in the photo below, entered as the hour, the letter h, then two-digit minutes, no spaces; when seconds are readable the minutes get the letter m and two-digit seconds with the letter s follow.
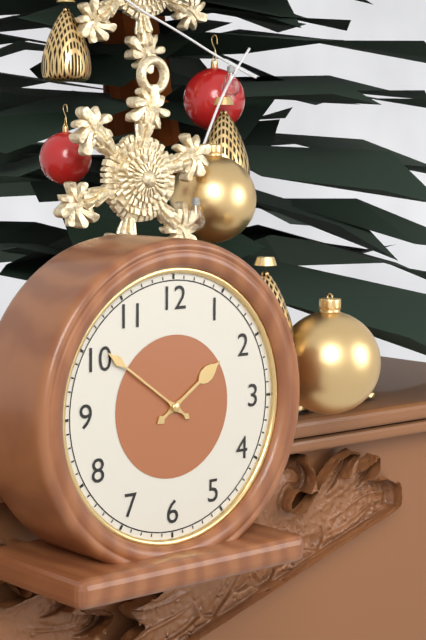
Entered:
1h51
